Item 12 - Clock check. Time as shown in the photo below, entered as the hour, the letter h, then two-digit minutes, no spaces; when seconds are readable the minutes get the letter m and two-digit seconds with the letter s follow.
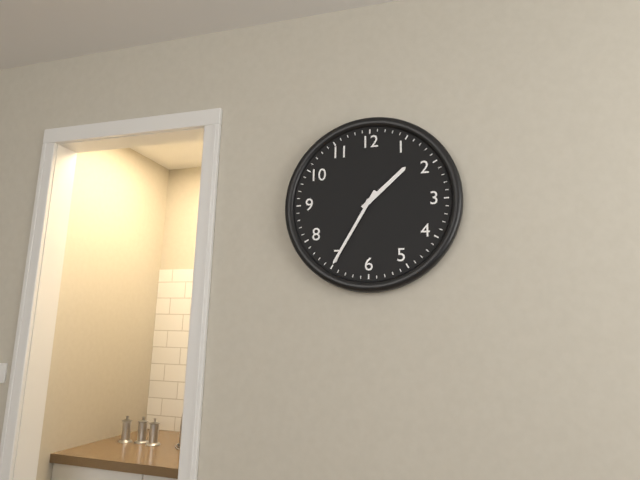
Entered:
1h35
